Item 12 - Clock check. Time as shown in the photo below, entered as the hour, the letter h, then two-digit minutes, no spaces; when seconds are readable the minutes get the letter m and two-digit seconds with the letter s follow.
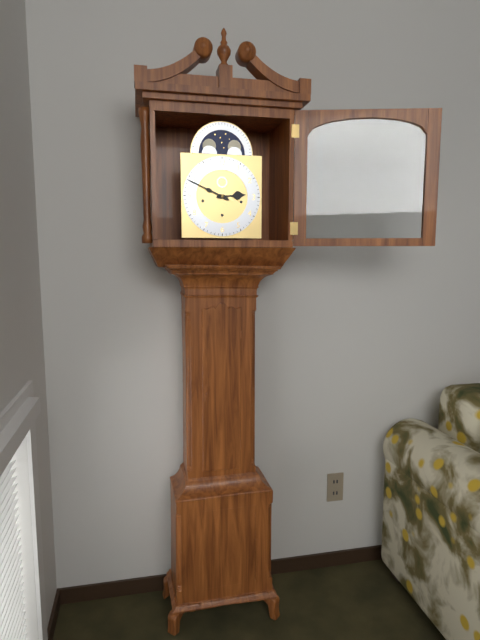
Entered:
2h49
